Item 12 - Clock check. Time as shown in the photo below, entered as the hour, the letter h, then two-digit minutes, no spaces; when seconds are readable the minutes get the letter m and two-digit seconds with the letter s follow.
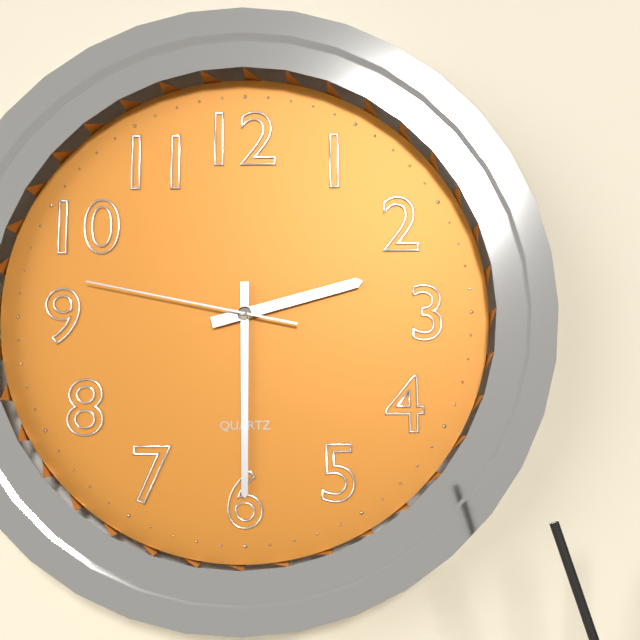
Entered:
2h30m47s
